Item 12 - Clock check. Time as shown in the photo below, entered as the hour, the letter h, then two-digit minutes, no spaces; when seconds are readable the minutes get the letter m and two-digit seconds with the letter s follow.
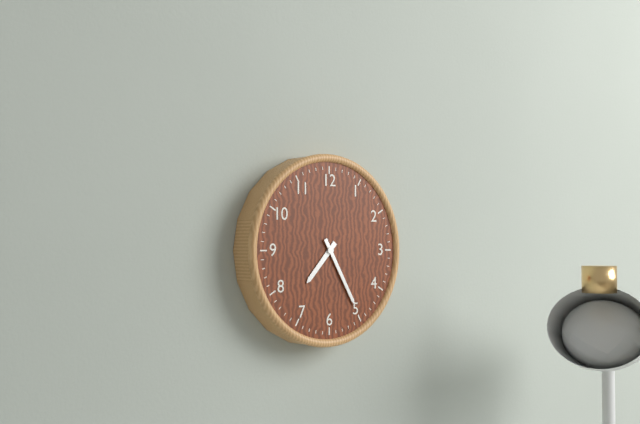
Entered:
7h25
